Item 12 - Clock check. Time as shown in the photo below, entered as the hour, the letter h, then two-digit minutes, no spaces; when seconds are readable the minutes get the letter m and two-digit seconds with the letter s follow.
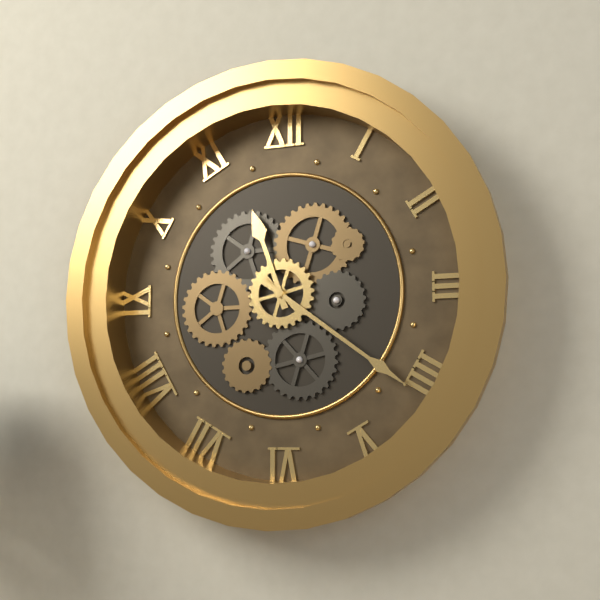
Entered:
11h21
